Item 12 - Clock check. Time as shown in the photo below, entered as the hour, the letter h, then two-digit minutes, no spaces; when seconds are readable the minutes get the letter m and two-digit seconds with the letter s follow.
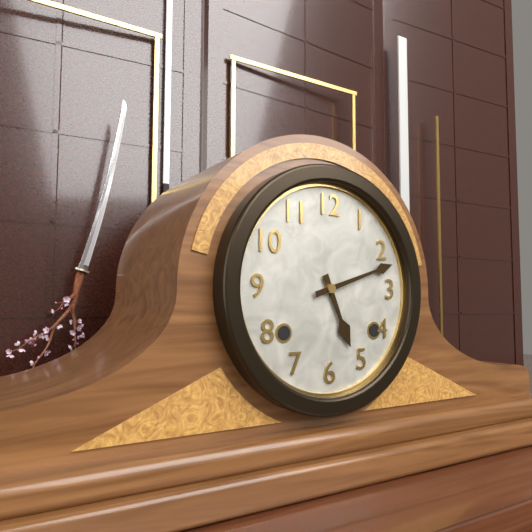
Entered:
5h12
